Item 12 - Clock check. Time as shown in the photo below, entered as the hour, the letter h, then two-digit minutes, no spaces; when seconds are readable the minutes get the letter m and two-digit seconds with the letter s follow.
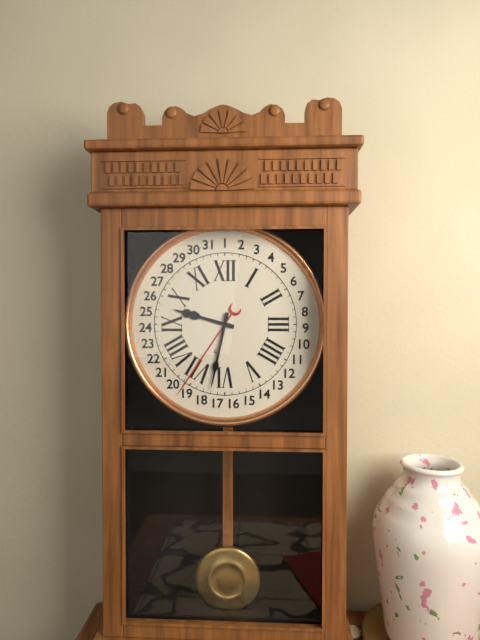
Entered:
9h32
